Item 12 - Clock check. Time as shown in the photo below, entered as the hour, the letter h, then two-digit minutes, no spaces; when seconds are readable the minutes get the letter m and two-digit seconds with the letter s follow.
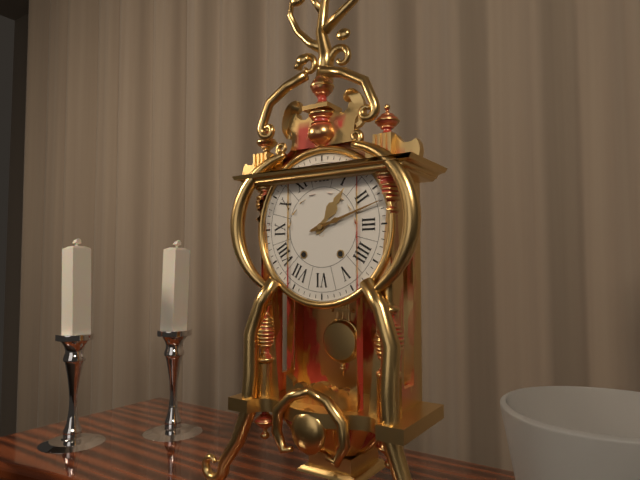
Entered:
1h12
